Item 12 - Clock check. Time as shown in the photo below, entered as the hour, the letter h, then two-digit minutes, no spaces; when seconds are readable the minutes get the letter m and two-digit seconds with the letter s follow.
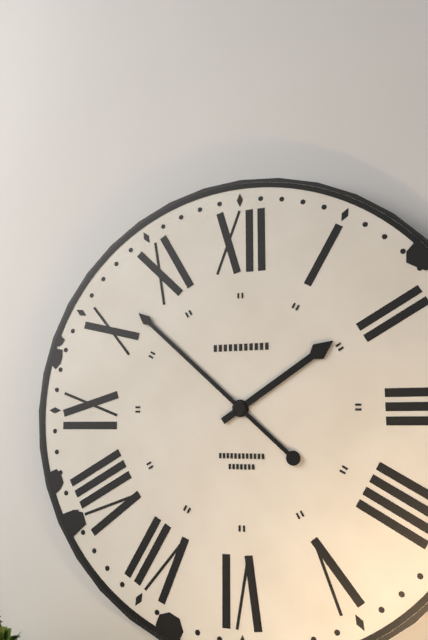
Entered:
1h52
